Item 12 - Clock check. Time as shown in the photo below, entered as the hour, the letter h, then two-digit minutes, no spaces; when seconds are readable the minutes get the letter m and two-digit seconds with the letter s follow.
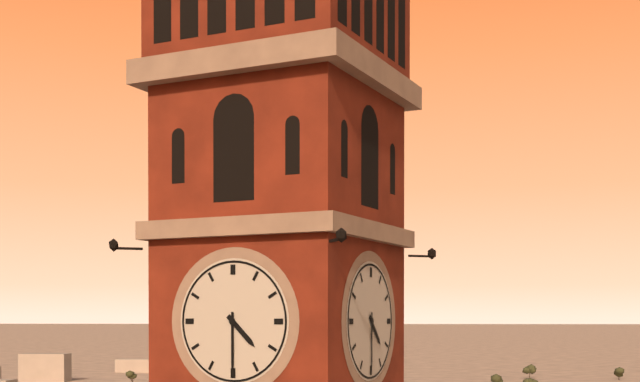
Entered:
4h30
